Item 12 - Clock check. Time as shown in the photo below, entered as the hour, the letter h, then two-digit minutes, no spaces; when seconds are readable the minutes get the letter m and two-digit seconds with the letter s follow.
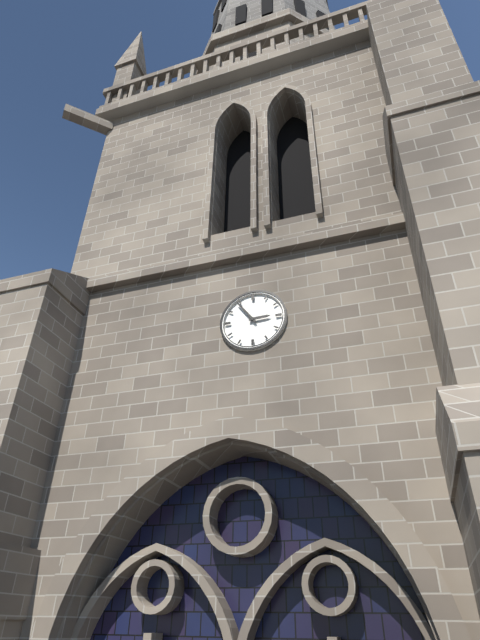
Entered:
2h54
